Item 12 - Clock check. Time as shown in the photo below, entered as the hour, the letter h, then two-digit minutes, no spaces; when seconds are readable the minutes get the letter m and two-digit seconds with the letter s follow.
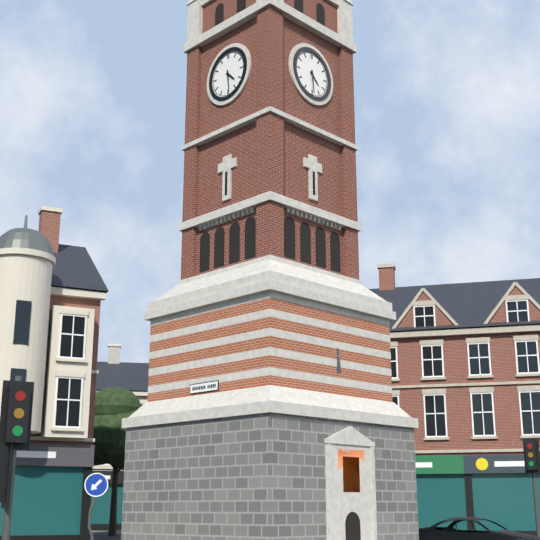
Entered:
4h29
